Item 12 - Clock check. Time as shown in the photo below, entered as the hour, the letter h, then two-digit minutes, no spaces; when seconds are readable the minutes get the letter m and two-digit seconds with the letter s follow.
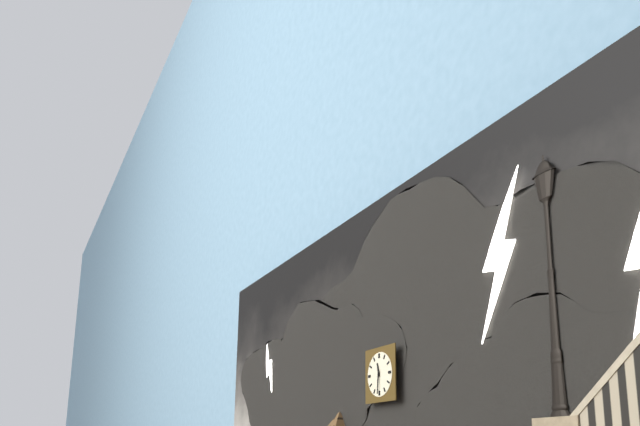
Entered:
11h31
